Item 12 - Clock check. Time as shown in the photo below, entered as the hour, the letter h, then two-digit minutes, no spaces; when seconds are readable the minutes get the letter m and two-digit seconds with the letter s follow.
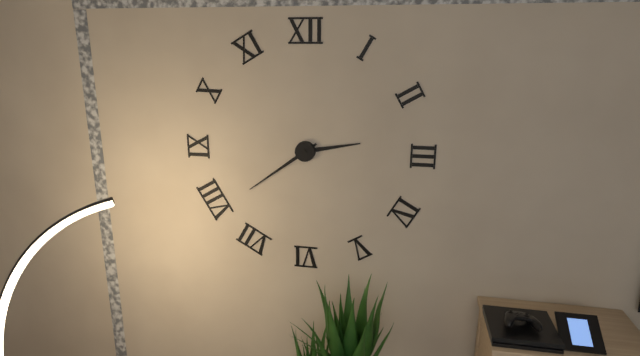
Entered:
2h39
